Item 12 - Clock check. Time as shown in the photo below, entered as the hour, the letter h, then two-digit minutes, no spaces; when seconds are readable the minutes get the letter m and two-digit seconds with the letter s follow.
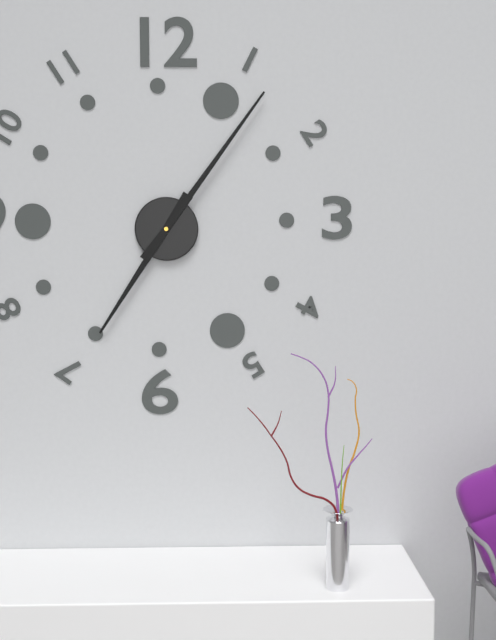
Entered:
7h06
